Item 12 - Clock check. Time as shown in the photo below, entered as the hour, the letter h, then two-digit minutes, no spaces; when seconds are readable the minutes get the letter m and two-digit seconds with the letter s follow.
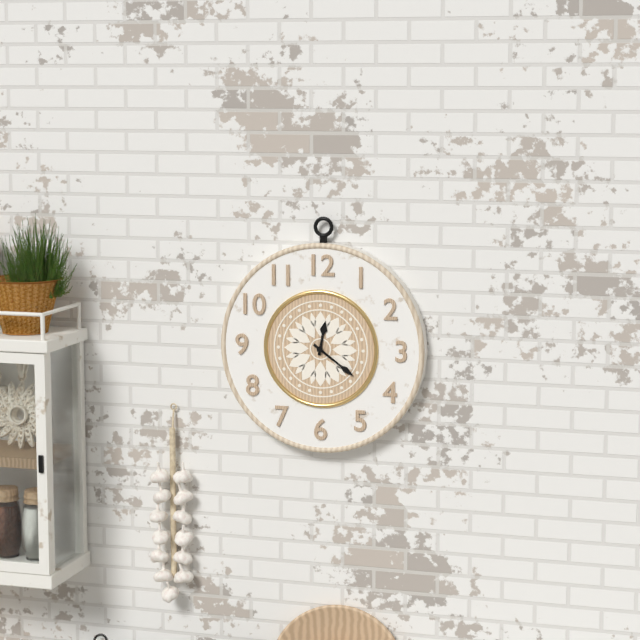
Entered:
12h21
